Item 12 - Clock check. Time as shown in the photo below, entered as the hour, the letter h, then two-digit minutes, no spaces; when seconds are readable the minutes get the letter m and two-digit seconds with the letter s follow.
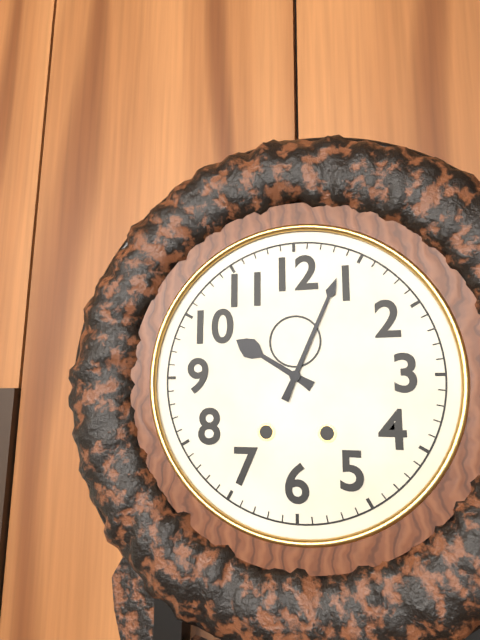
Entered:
10h04
